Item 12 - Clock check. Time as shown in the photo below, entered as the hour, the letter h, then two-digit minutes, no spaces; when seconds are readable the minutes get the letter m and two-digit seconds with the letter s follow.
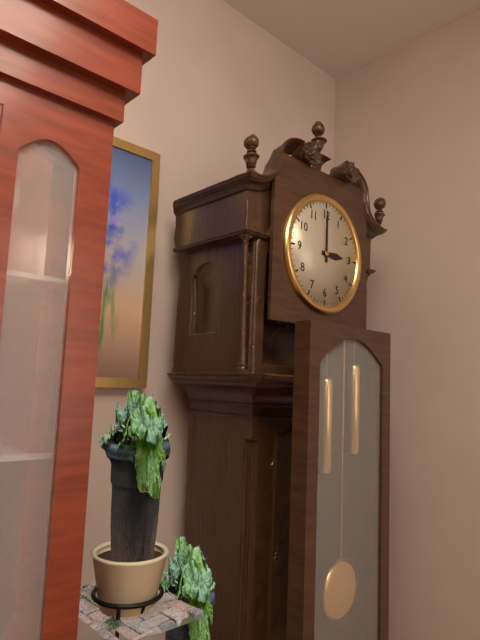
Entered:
3h00
